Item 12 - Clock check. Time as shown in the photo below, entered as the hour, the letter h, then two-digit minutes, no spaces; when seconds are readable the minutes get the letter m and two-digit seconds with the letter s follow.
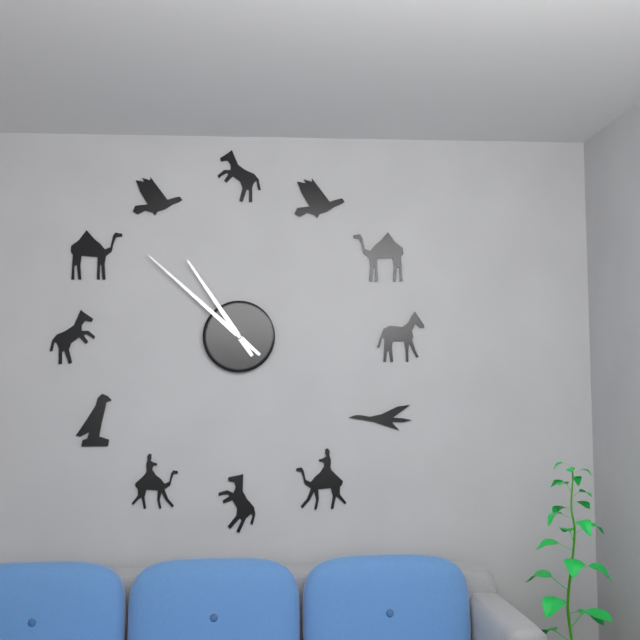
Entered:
10h52
